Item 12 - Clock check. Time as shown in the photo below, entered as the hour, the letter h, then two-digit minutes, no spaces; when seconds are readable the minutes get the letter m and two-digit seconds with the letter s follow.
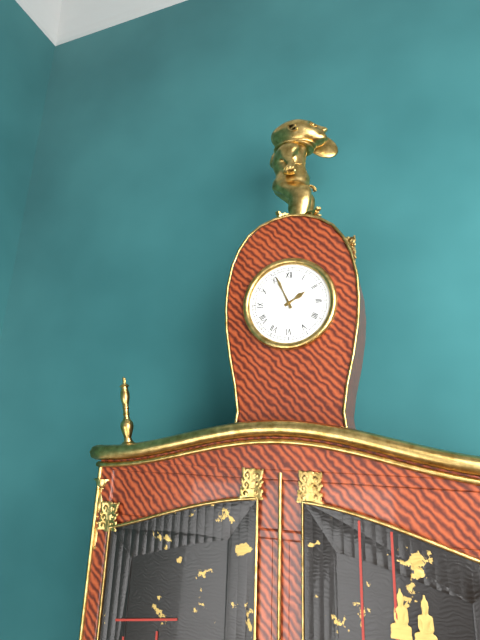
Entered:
1h56
